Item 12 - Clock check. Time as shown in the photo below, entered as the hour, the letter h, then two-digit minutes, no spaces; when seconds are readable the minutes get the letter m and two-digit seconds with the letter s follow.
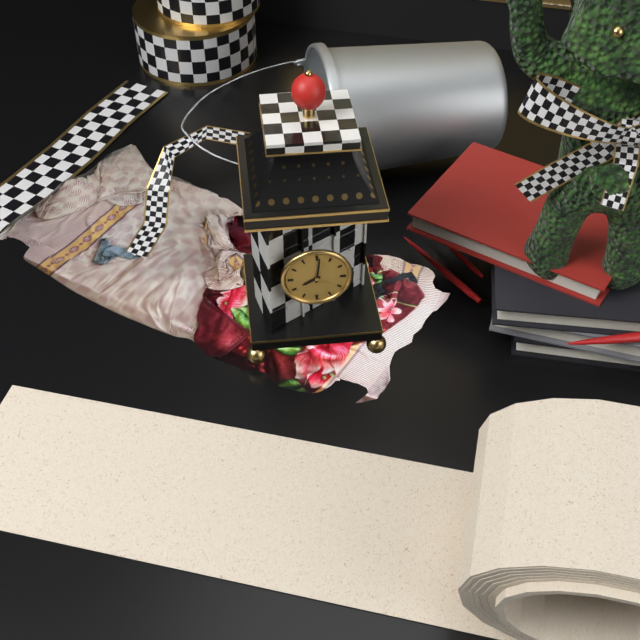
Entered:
8h01
